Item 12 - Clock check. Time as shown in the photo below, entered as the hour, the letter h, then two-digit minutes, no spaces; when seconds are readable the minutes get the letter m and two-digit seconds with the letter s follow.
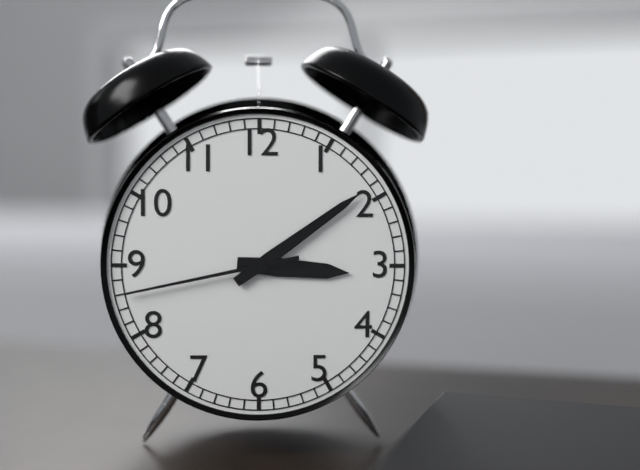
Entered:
3h09m43s
